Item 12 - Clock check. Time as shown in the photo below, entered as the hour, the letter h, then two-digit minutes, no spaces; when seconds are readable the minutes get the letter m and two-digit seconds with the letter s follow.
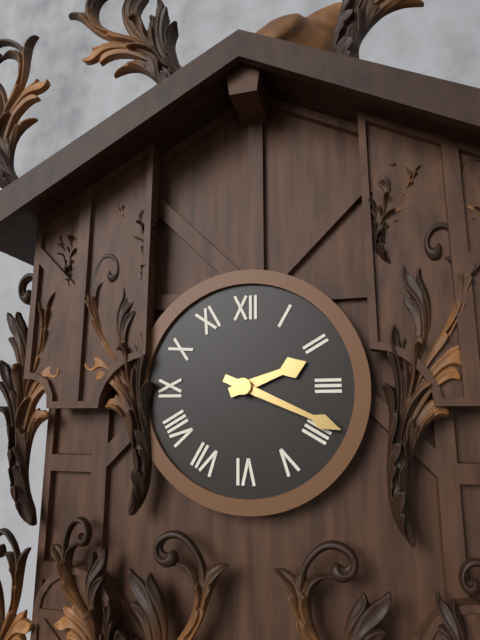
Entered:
2h19
